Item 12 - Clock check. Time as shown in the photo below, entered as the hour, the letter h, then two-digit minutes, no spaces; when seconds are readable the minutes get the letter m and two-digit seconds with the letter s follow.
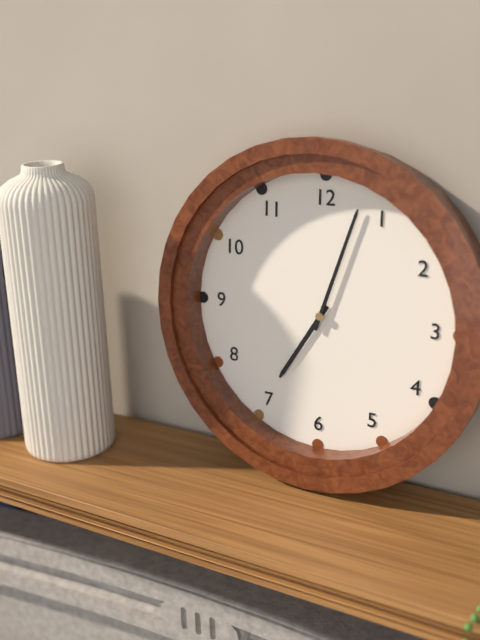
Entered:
7h03
